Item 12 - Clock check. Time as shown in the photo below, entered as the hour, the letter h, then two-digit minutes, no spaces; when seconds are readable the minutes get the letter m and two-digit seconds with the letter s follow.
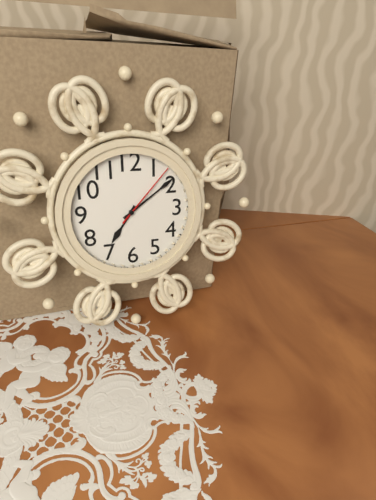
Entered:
7h09m07s
